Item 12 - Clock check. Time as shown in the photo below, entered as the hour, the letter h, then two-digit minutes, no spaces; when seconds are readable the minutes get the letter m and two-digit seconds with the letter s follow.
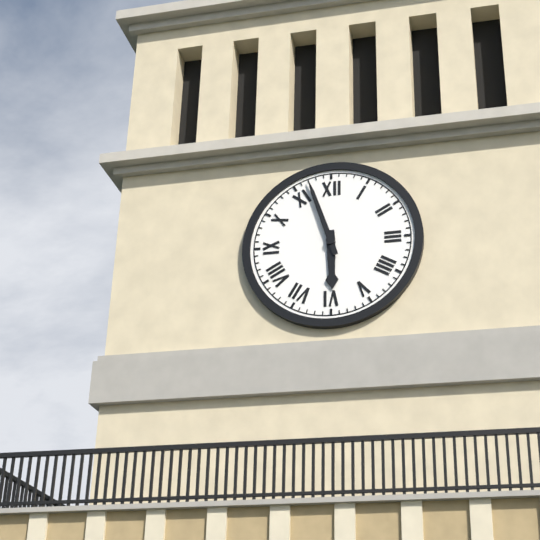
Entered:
5h57
